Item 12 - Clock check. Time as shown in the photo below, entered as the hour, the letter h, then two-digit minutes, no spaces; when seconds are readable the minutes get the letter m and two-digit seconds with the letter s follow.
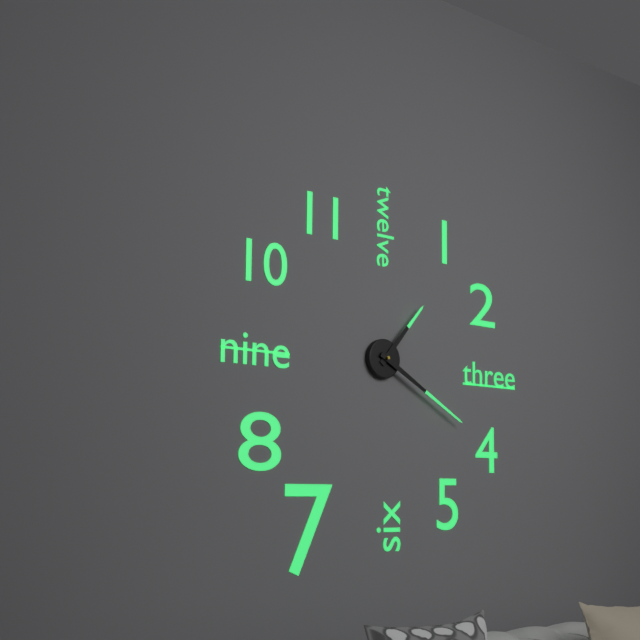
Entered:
1h20
